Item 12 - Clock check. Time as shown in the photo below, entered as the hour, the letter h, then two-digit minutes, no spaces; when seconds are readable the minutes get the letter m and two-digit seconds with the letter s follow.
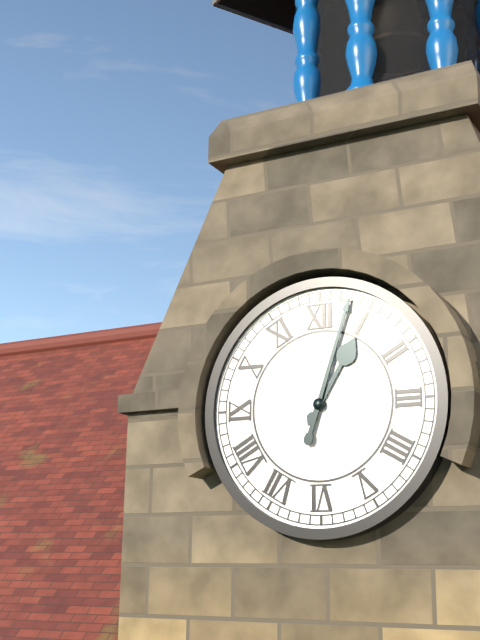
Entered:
1h03
